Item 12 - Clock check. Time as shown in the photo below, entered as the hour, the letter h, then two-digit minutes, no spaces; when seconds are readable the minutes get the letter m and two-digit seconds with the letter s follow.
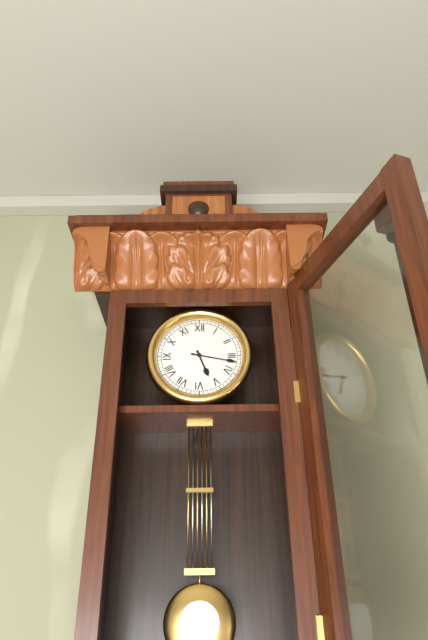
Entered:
5h17
